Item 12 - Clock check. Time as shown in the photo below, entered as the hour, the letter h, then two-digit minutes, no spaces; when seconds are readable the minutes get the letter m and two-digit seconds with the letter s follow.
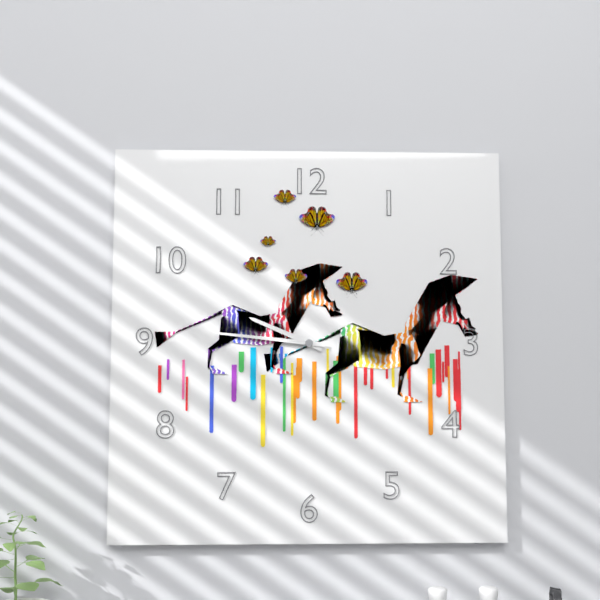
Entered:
9h46
